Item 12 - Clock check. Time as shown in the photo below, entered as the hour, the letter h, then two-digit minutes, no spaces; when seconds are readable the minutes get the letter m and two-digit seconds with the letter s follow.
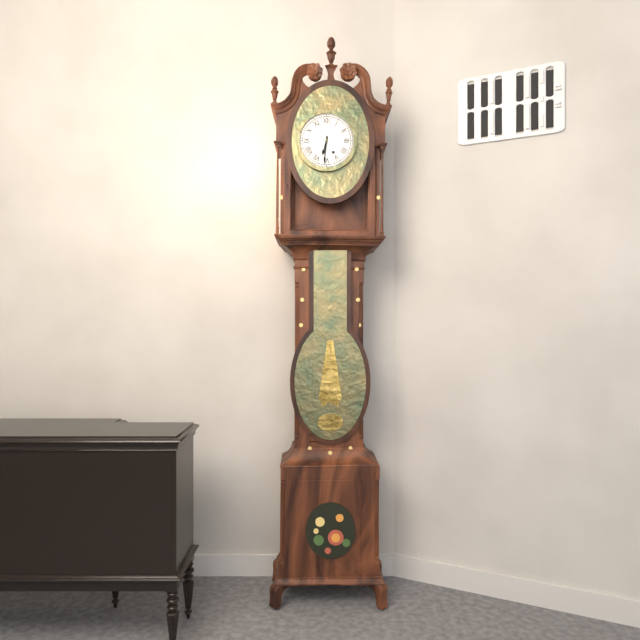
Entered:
6h31
